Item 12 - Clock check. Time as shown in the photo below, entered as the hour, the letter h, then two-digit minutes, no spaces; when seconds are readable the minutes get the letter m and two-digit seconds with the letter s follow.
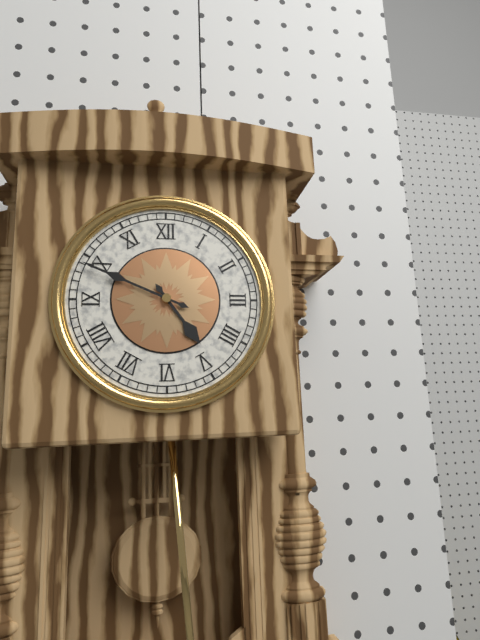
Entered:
4h49
